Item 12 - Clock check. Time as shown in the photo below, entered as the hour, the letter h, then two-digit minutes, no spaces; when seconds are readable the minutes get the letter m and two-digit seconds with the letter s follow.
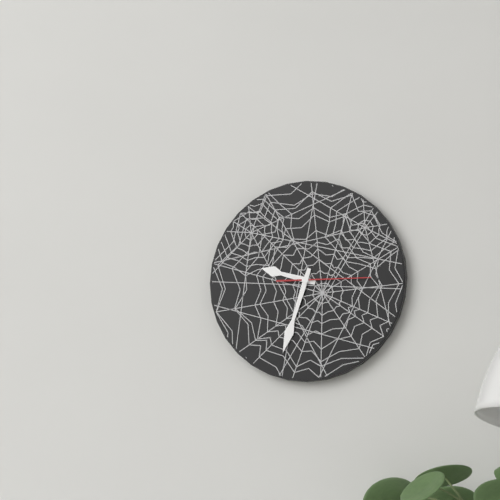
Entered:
9h33m15s
